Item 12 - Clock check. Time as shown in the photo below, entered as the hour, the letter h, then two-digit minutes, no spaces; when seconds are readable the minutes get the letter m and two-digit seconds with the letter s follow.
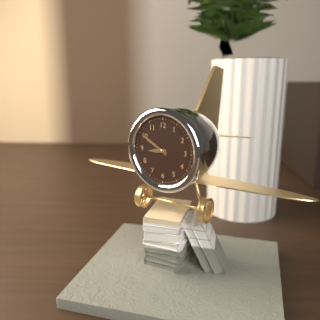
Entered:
8h50
